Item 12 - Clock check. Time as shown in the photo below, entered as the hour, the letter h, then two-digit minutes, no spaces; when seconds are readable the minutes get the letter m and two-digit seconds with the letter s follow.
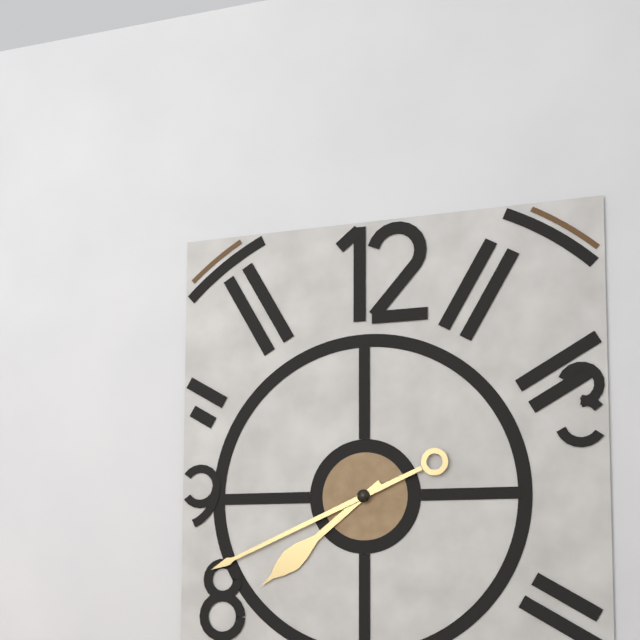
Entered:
7h41
